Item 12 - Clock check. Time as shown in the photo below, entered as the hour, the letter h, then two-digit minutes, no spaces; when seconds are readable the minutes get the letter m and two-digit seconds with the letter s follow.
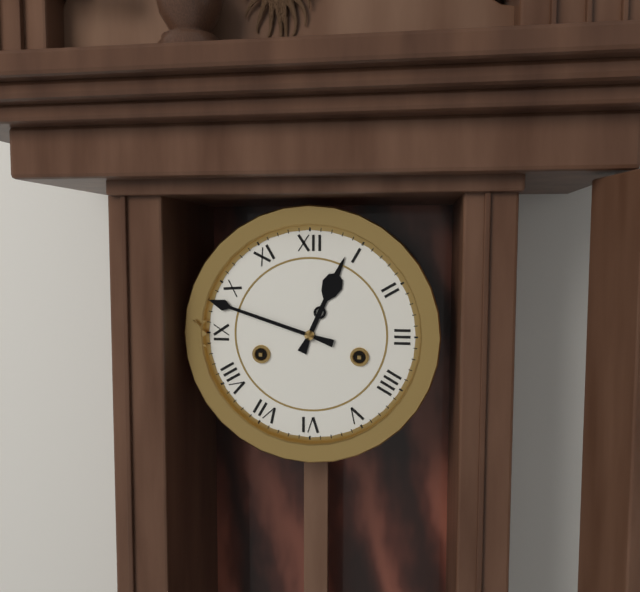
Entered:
12h48
